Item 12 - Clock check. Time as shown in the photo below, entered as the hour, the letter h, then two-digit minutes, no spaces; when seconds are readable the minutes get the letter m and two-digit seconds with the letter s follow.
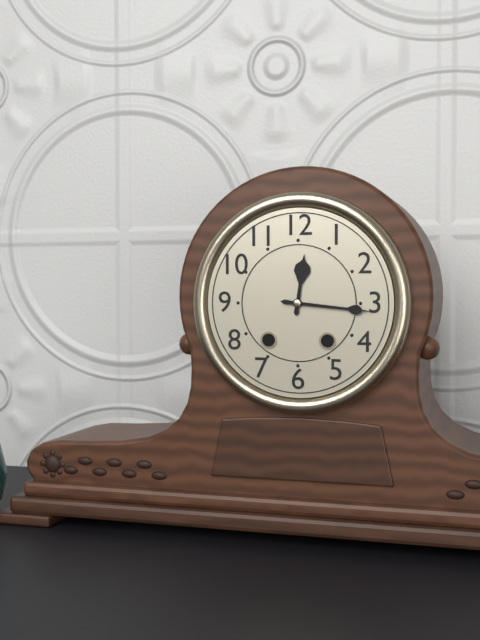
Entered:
12h16
